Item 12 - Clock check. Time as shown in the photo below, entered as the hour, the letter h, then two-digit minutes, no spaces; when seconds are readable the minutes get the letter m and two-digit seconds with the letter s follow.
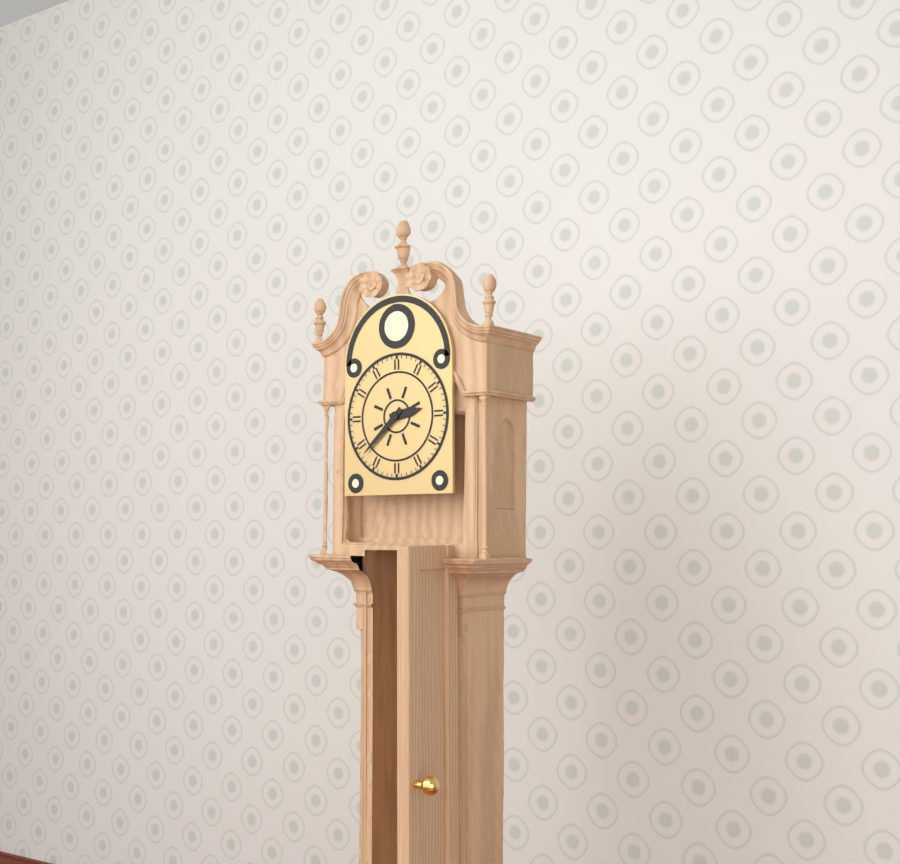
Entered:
2h38
